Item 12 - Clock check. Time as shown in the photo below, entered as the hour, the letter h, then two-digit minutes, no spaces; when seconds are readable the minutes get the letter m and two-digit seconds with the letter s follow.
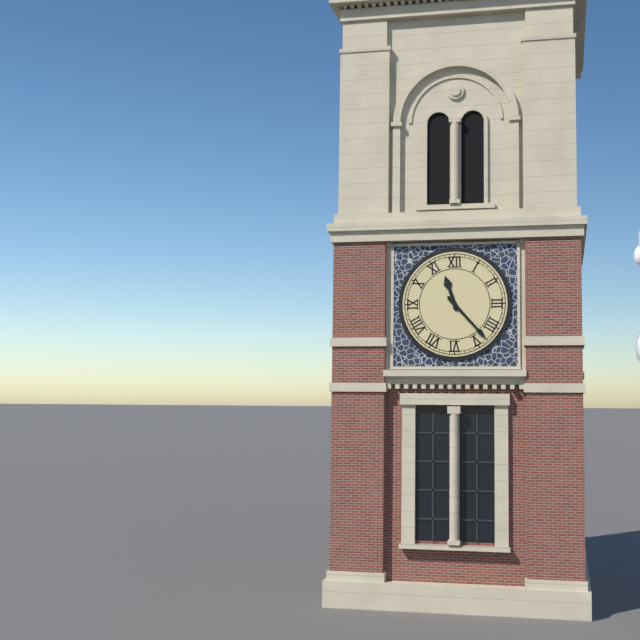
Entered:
11h23
